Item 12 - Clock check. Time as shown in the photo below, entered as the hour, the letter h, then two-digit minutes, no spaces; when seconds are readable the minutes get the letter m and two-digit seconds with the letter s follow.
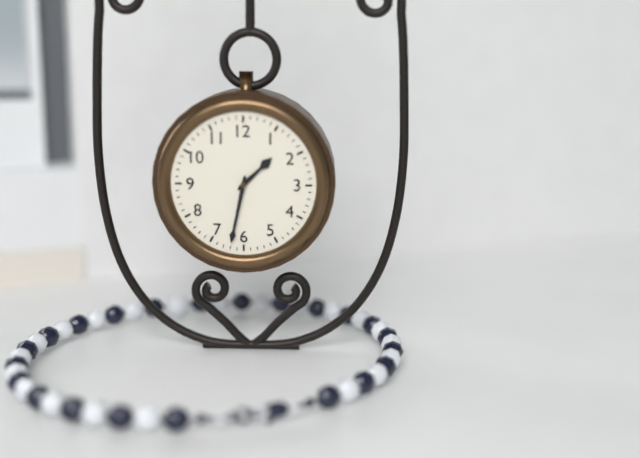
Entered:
1h32
